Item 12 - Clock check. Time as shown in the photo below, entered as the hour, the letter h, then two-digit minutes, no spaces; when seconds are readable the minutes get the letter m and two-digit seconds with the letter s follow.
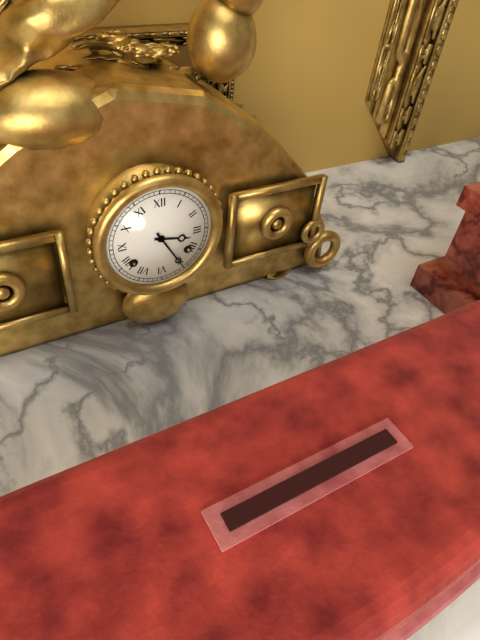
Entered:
3h25
